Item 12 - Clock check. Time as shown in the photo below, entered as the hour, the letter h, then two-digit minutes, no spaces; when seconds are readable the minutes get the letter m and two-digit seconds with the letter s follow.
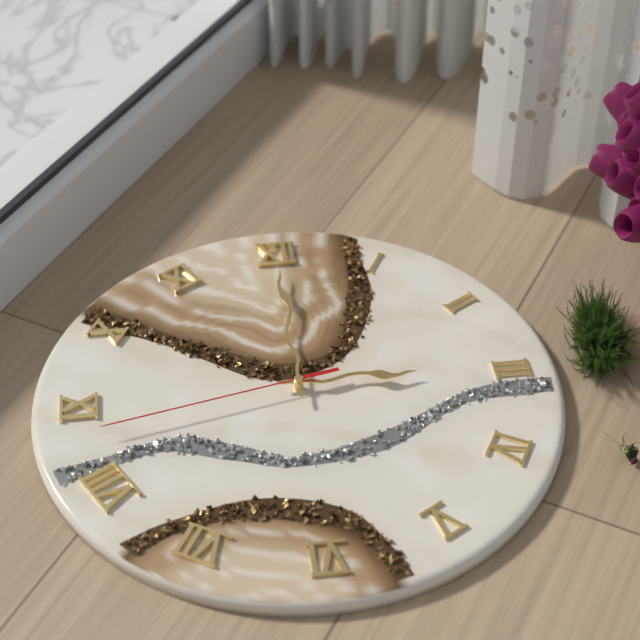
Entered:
3h00m43s
